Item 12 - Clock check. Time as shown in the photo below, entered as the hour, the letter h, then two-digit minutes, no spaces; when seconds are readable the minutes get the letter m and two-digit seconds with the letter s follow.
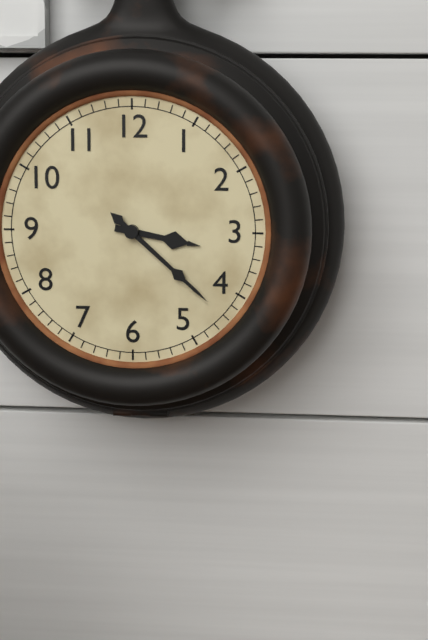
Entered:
3h22
